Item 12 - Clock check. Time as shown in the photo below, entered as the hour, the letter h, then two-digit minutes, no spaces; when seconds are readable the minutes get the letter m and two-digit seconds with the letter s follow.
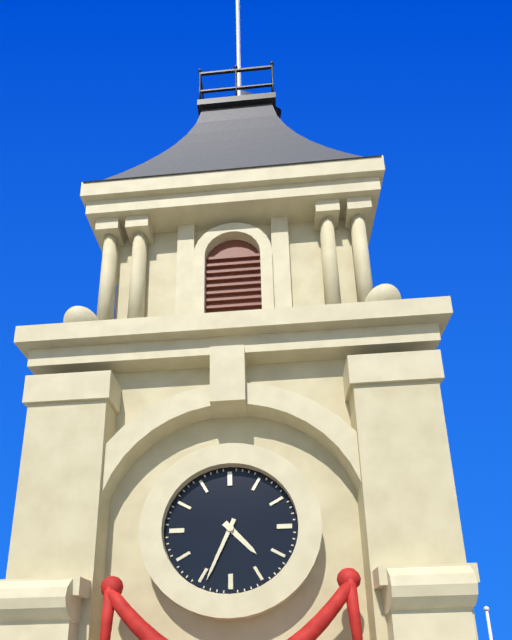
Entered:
4h34
